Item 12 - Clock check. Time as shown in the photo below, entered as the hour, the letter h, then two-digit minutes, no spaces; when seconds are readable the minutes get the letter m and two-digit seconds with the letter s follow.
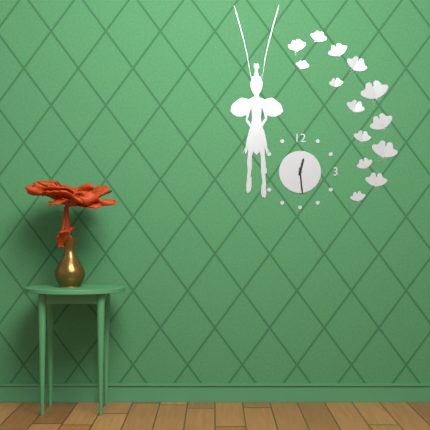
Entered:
12h29
